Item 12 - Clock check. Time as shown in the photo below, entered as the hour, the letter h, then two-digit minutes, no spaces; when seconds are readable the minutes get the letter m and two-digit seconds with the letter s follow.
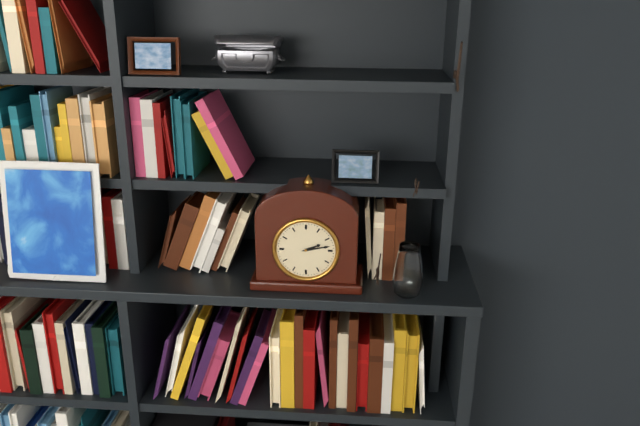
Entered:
2h13
